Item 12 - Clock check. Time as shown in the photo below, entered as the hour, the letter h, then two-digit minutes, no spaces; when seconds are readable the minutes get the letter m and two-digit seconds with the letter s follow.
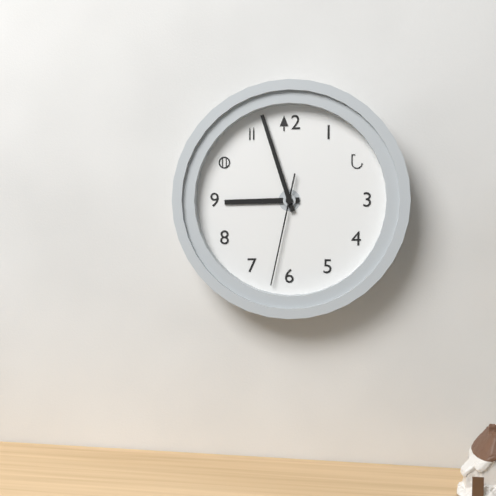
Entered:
8h57m32s
